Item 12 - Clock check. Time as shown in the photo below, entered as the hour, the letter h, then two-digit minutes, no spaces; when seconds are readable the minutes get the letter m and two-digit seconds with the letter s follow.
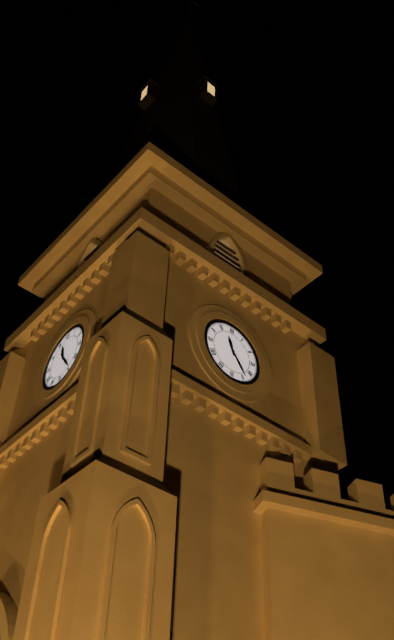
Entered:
11h24
